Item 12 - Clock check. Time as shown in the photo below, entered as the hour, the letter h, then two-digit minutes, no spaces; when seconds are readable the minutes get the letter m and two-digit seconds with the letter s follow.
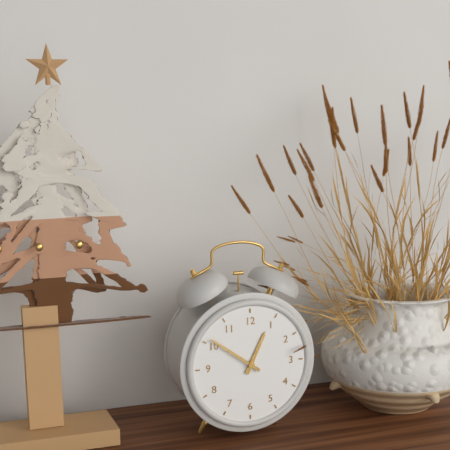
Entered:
12h51
